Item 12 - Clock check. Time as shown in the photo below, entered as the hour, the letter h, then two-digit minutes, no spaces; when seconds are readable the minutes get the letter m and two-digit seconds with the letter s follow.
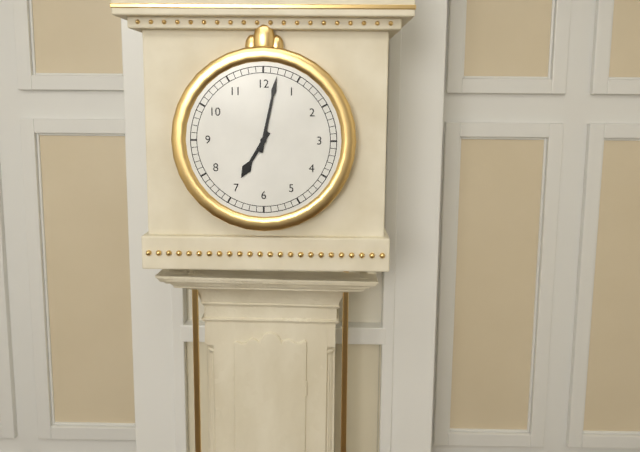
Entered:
7h02
